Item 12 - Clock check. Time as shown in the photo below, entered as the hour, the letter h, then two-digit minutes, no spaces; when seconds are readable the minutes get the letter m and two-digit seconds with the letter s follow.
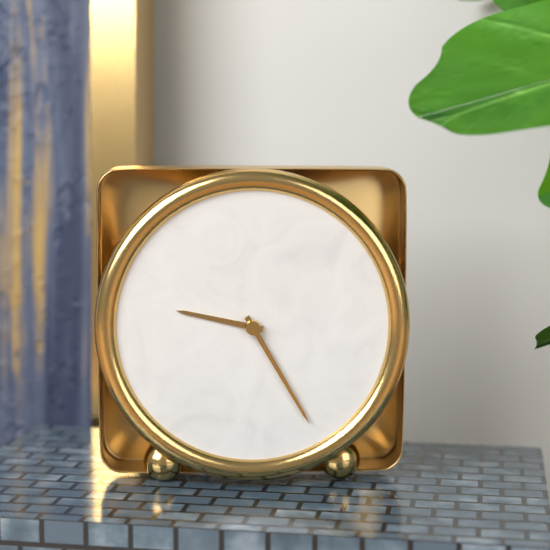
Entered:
9h25
